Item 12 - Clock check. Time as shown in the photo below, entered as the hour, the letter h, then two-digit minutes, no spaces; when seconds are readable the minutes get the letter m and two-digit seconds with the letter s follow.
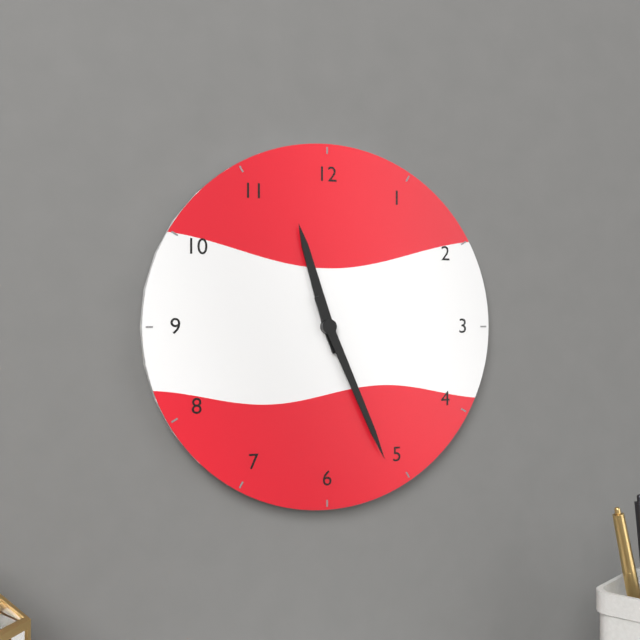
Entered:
11h26
